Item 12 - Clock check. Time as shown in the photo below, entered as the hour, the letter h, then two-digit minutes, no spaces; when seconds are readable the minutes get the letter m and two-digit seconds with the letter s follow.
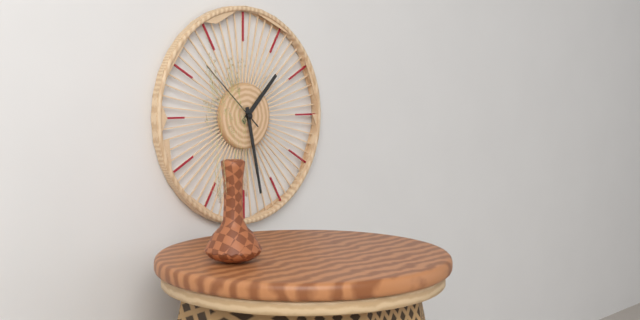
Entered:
1h28m52s
